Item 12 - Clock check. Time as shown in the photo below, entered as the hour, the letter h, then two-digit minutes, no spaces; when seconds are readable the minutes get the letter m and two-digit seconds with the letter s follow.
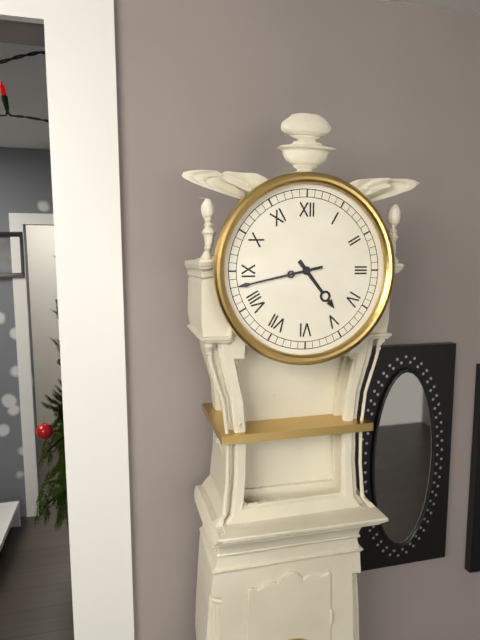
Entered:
4h43
